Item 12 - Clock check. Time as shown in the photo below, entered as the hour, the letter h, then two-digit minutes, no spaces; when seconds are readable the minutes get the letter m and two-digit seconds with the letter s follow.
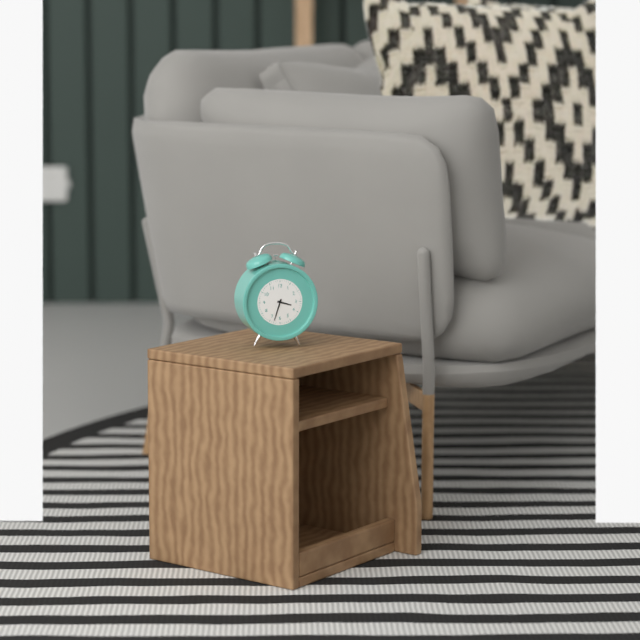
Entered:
3h33
